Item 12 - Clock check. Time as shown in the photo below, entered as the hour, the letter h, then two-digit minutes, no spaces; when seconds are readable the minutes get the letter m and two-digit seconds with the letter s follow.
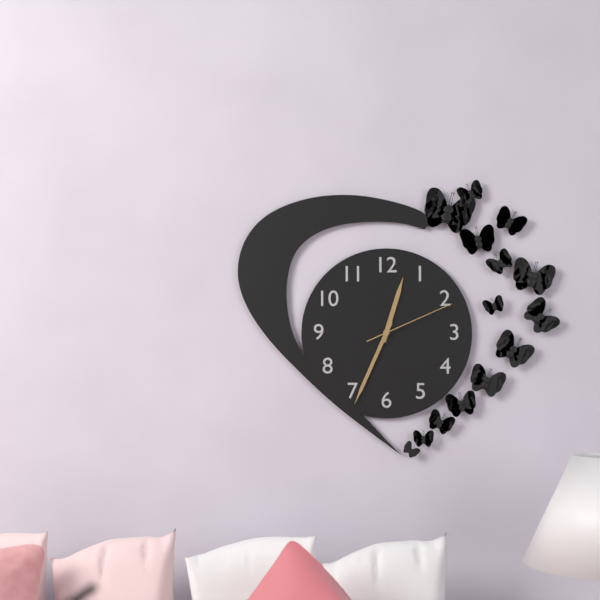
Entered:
12h34m11s
